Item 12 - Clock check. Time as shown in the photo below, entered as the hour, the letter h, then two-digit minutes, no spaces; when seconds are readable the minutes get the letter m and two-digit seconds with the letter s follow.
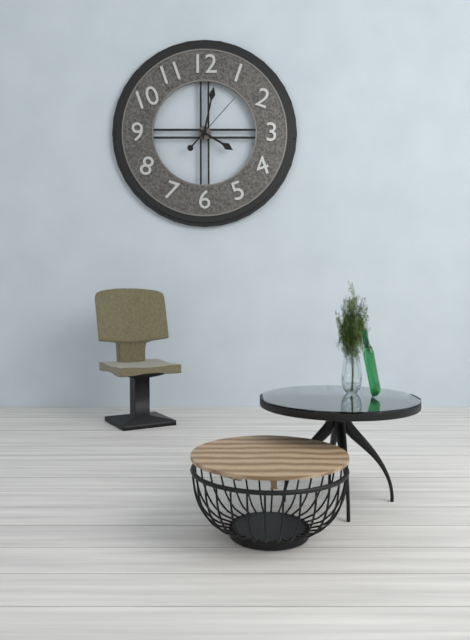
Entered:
4h02m07s
